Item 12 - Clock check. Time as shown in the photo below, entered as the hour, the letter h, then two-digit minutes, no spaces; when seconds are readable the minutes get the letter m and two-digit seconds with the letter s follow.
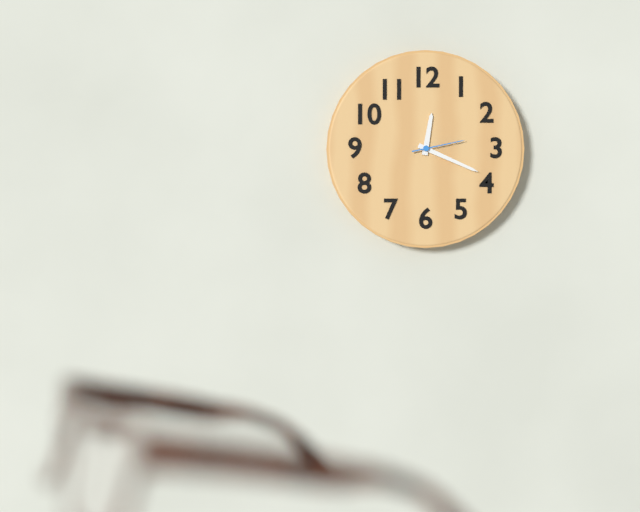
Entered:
12h19
